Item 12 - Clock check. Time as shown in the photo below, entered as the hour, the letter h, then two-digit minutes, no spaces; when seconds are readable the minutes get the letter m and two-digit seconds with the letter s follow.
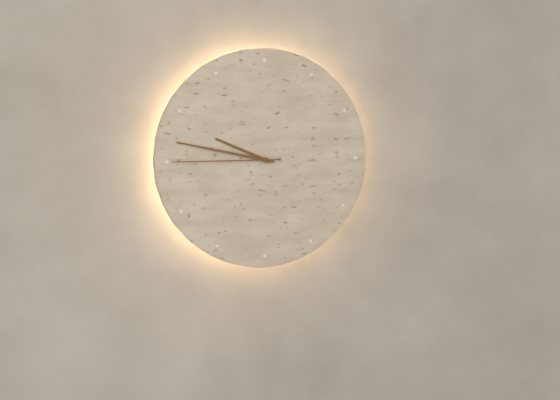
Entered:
9h47m45s
